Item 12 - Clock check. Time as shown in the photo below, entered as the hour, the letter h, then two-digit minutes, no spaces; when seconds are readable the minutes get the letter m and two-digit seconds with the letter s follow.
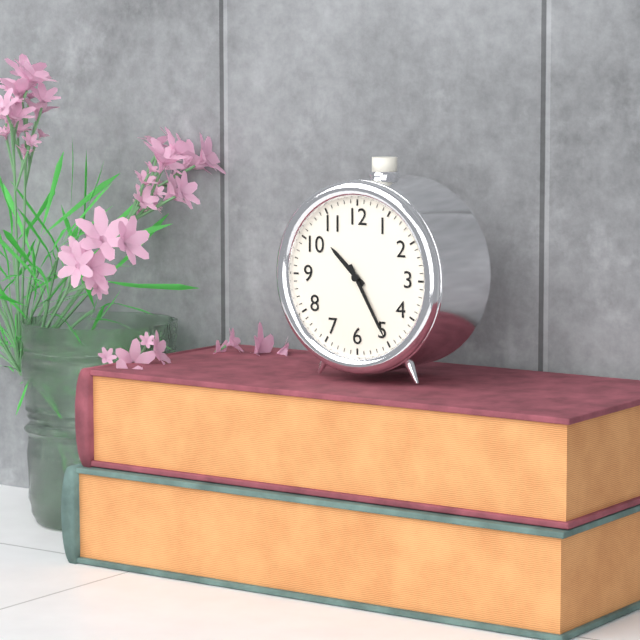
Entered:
10h25
